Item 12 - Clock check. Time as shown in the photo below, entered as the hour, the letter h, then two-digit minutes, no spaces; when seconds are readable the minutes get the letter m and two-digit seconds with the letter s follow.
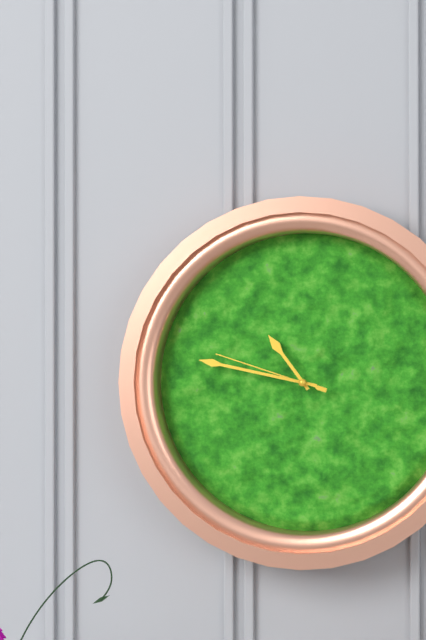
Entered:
10h47m48s
